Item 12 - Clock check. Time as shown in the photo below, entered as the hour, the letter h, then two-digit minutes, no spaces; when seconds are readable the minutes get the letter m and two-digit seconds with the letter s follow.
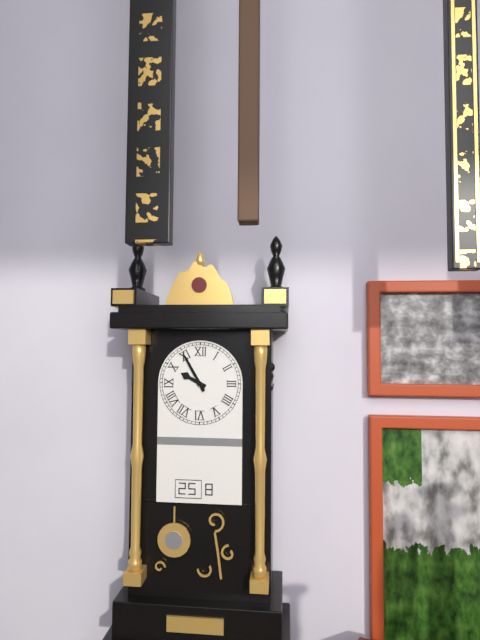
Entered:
9h55
